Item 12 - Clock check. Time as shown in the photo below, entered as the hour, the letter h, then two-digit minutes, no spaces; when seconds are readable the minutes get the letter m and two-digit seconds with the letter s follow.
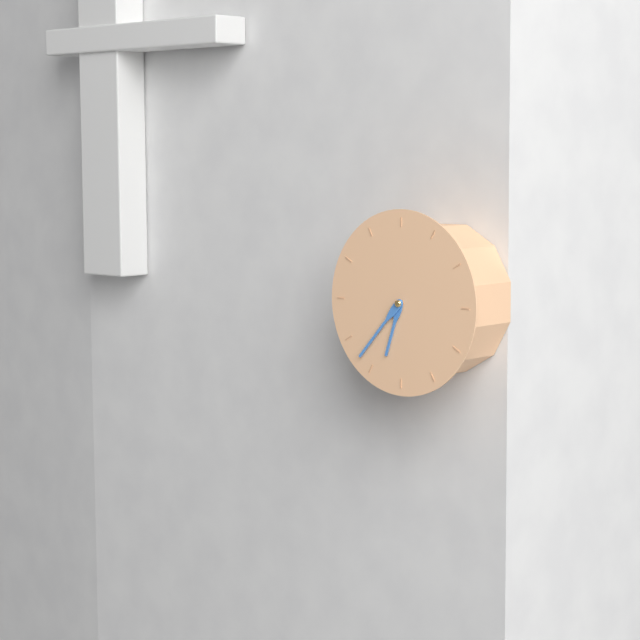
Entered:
6h37
